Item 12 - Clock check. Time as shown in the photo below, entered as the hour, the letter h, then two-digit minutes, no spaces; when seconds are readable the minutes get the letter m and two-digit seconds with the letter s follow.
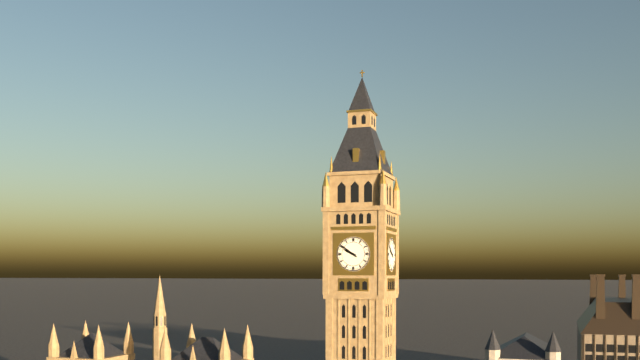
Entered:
9h51
